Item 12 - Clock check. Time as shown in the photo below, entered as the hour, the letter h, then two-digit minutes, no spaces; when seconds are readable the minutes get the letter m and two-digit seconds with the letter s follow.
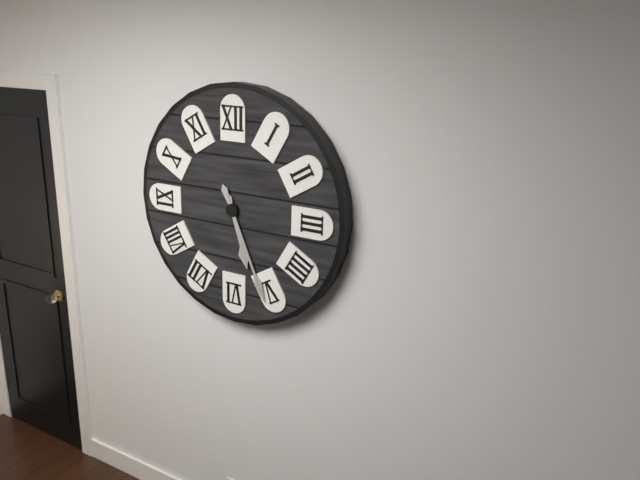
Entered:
5h26
